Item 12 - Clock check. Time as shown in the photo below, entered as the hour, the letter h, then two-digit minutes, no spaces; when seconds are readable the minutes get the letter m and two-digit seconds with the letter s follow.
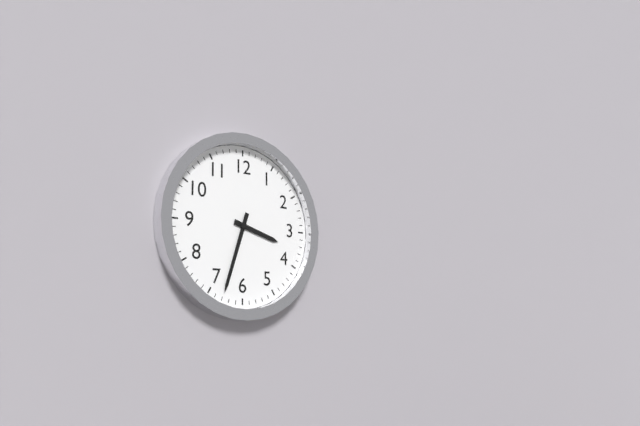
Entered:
3h33
